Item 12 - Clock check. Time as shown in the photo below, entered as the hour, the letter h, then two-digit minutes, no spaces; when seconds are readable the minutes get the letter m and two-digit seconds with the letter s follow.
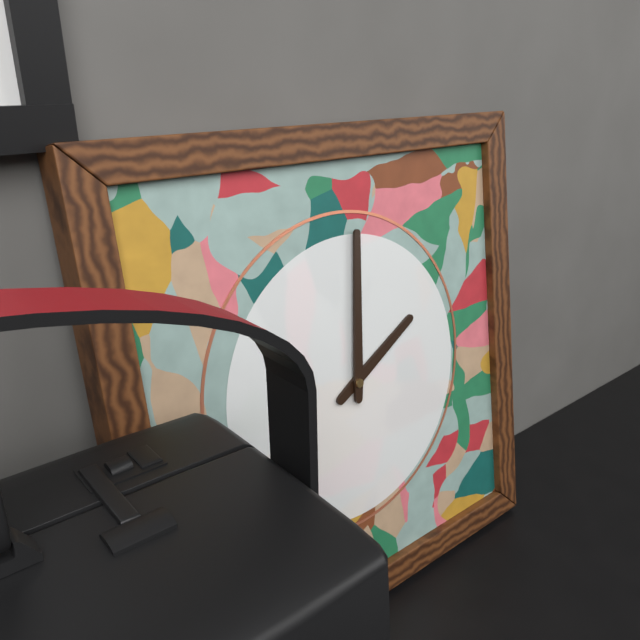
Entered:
2h01
